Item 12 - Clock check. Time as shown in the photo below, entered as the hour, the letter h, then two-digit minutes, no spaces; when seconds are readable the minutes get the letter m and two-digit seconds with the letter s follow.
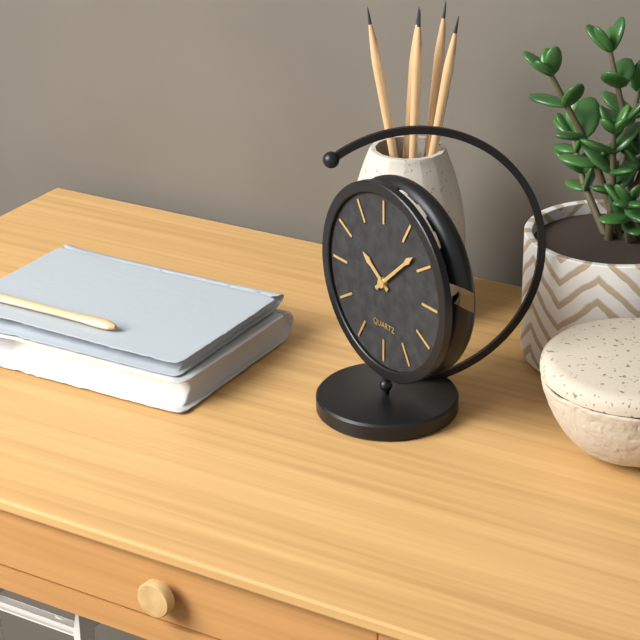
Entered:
10h08
